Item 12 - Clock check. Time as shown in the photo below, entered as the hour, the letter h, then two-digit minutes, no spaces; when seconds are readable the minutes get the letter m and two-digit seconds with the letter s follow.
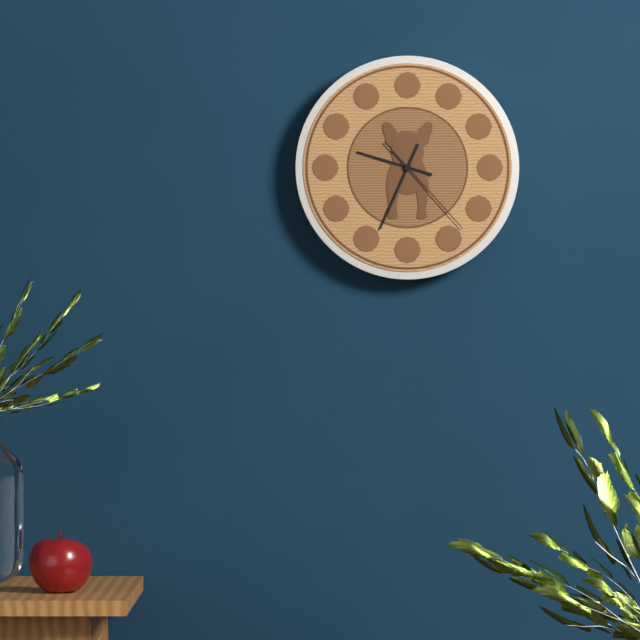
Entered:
9h34m23s
